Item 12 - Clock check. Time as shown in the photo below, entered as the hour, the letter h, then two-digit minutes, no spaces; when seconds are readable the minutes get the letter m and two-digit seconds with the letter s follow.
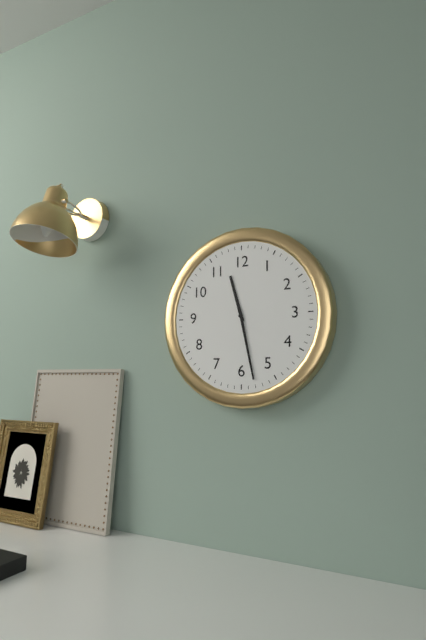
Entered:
11h28
